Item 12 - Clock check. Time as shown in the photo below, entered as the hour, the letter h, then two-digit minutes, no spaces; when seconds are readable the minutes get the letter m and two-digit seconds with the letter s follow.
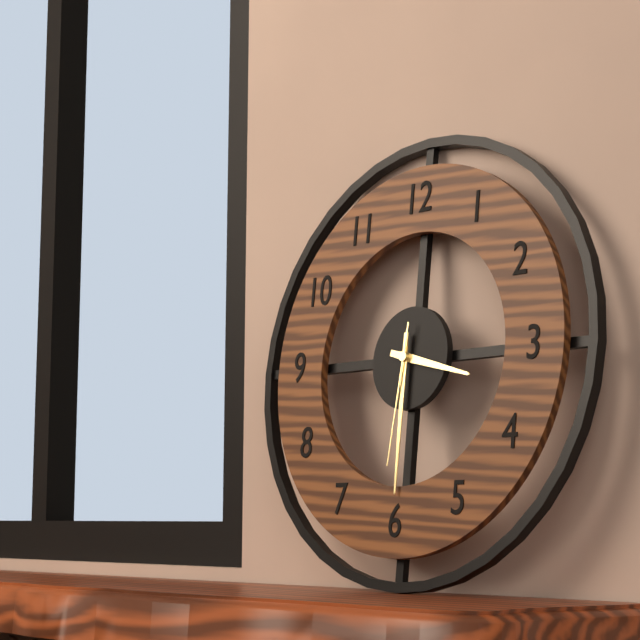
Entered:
3h30m31s
